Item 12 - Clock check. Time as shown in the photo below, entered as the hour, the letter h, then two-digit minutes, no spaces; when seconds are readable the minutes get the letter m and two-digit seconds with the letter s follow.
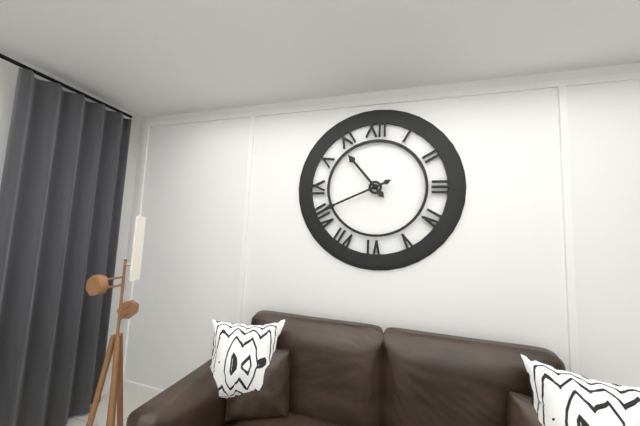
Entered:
10h41
